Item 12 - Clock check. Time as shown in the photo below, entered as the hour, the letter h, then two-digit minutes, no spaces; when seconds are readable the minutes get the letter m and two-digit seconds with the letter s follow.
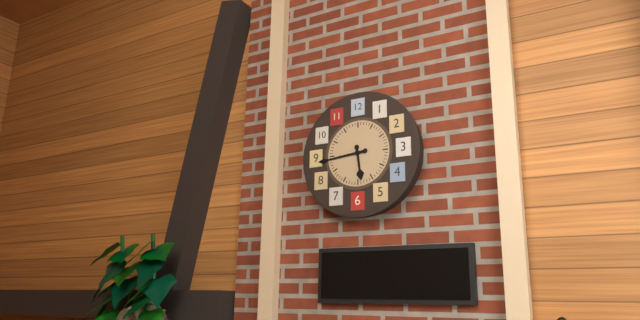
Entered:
5h44
